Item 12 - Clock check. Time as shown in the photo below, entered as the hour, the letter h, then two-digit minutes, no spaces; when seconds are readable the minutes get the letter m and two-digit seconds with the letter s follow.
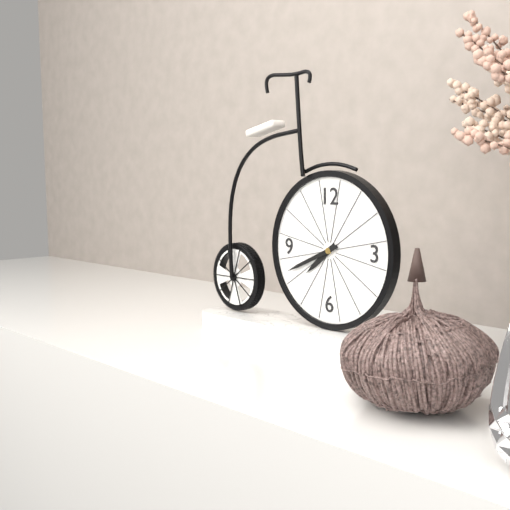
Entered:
7h41
